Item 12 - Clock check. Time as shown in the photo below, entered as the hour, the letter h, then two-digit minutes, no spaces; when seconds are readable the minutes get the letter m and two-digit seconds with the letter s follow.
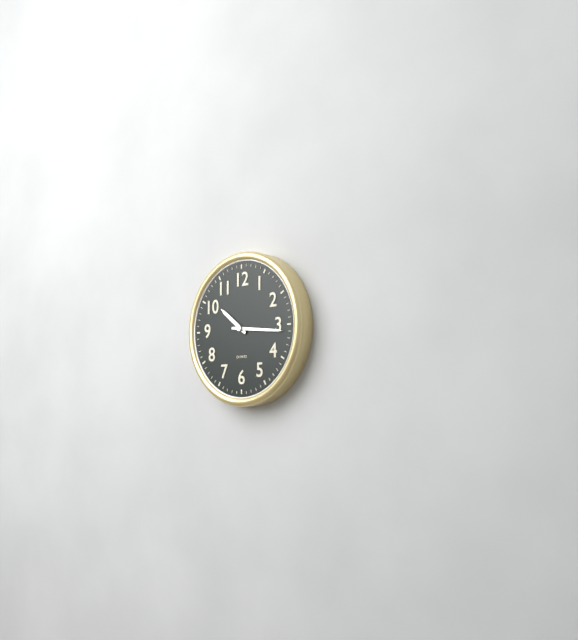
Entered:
10h16
